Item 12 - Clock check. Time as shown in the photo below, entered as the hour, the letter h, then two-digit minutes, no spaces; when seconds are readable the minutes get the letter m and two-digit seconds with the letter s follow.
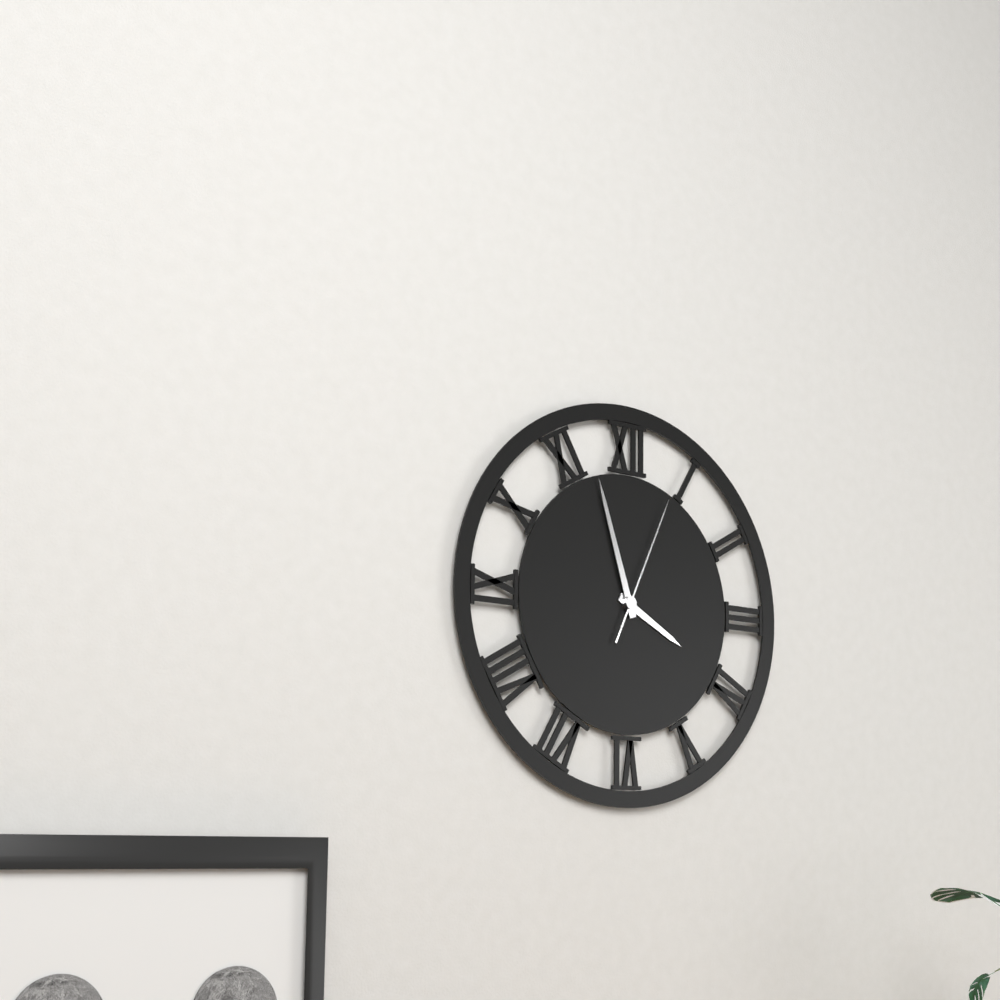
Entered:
3h57m04s
